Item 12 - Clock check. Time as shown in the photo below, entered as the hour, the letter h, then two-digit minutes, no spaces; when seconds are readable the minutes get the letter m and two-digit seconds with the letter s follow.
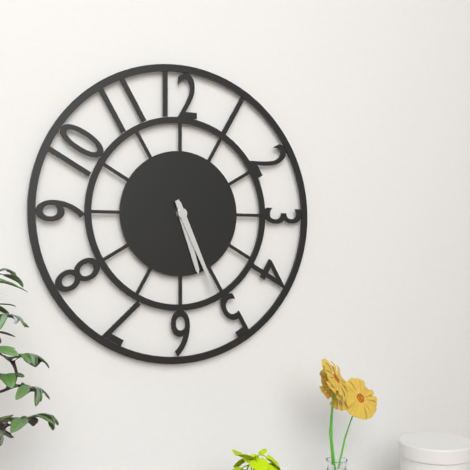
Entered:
5h26
